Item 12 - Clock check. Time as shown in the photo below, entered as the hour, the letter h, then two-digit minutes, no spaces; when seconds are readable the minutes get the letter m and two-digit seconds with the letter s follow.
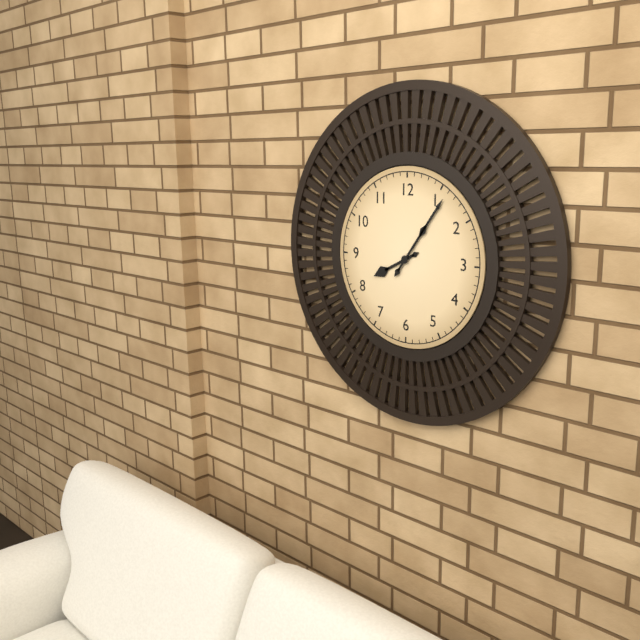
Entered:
8h06
